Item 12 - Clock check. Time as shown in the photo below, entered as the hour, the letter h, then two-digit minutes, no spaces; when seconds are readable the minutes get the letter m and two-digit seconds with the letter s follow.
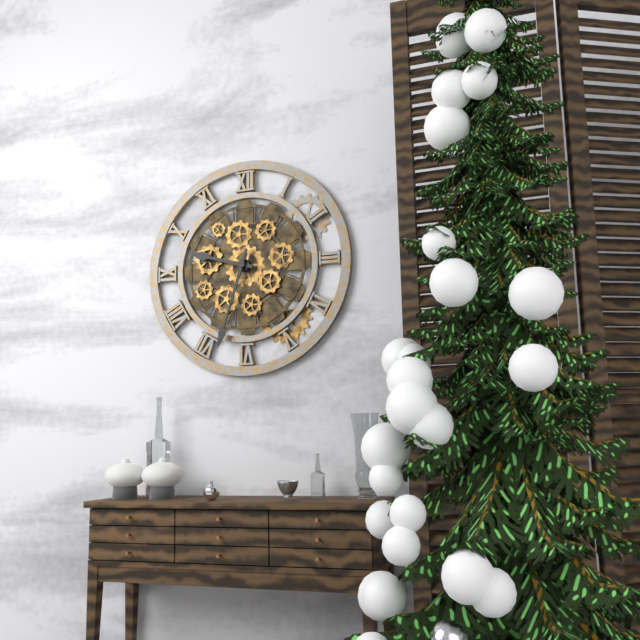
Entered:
9h33
